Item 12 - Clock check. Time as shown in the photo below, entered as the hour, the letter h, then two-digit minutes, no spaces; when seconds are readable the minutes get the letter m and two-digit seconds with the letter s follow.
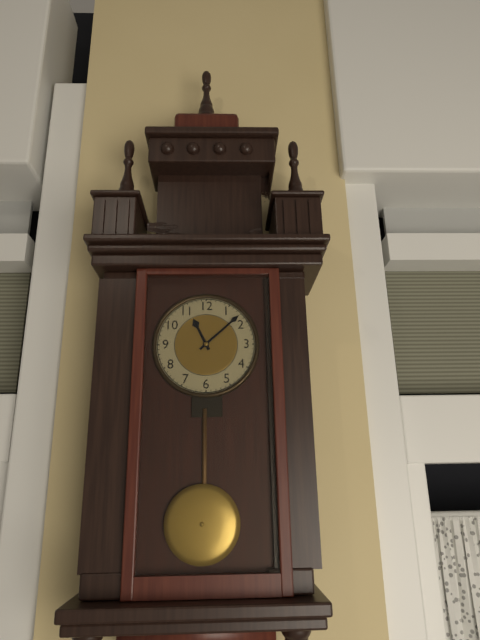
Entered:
11h08
